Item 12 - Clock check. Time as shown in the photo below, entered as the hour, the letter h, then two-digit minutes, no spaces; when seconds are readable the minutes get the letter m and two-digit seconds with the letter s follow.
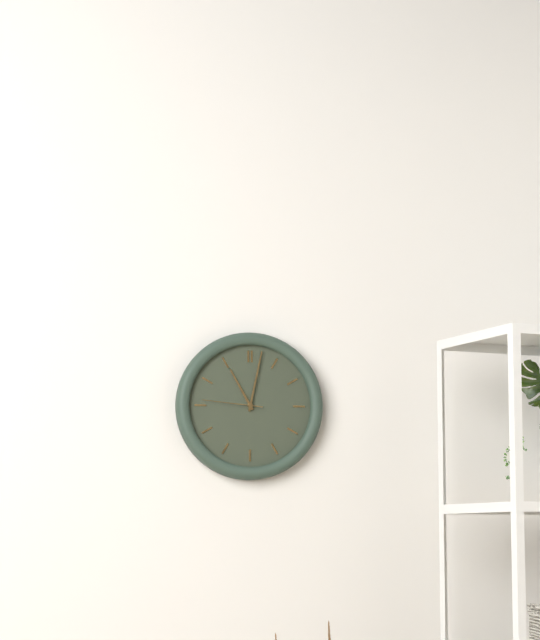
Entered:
11h02m46s
